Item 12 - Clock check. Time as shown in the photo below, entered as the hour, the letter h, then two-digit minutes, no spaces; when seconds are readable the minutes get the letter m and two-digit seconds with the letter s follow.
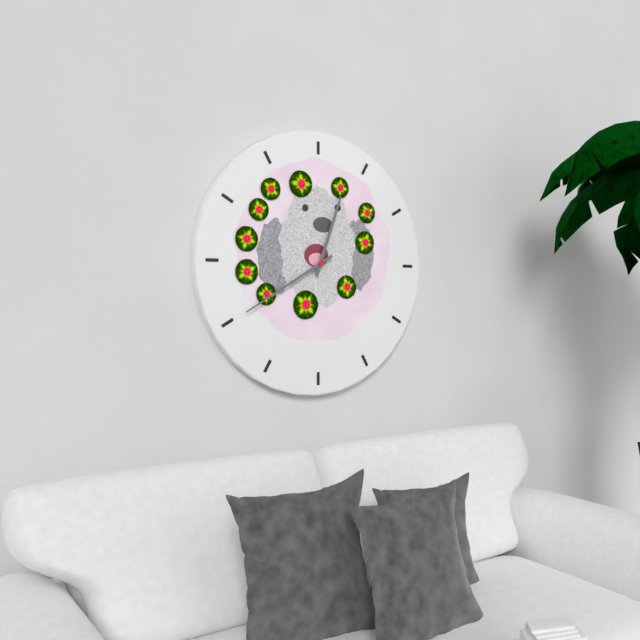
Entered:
12h40
